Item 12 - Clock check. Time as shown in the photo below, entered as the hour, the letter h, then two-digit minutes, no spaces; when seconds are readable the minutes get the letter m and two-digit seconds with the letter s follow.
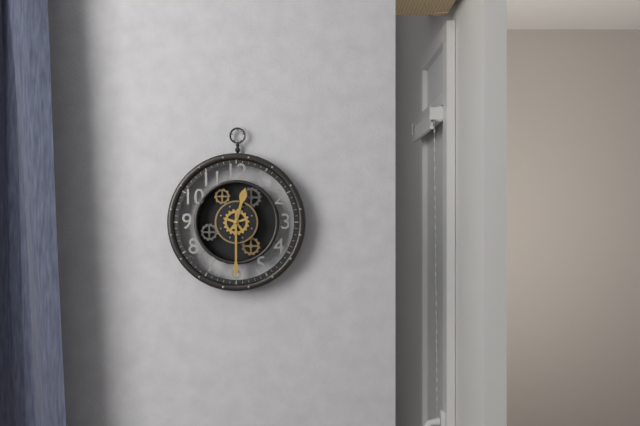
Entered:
12h30
